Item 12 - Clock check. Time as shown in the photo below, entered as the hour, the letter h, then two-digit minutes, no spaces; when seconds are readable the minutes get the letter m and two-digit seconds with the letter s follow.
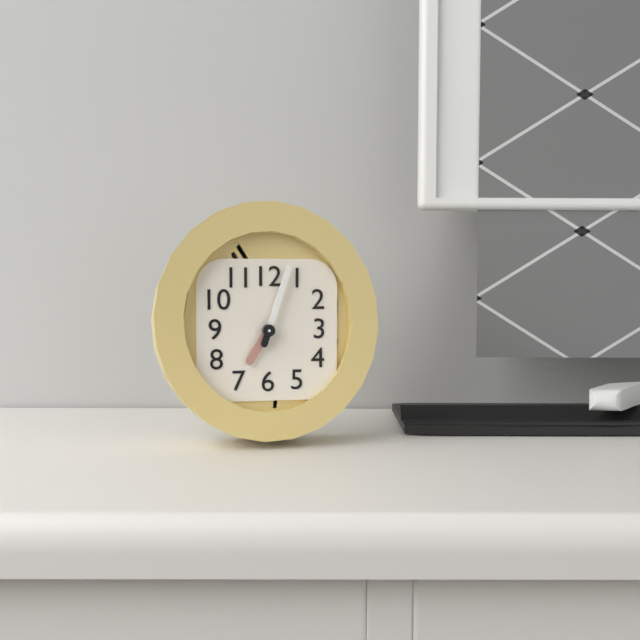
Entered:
7h03
